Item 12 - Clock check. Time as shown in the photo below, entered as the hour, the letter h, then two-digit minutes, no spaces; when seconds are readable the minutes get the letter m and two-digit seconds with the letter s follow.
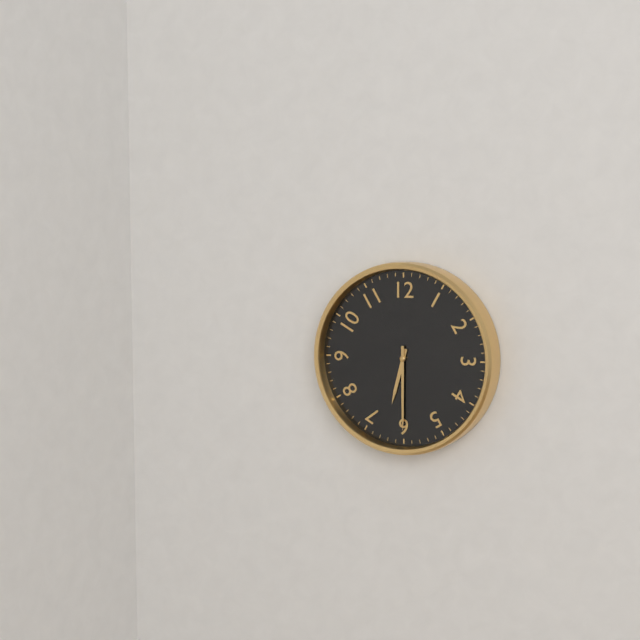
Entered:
6h30
